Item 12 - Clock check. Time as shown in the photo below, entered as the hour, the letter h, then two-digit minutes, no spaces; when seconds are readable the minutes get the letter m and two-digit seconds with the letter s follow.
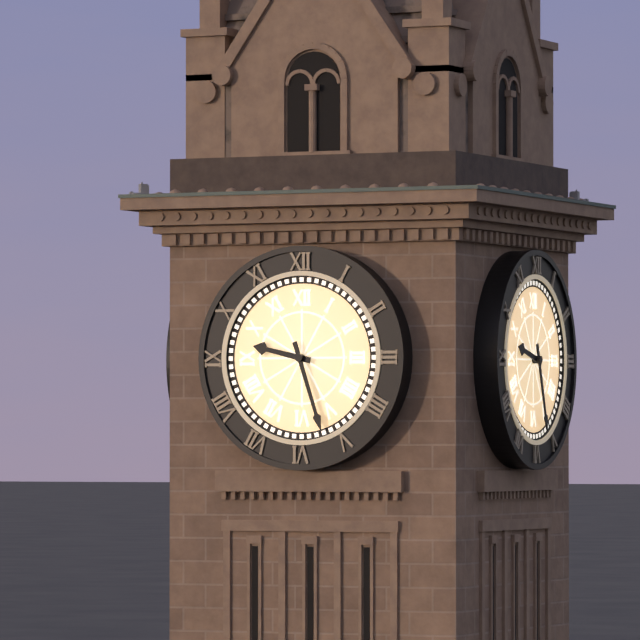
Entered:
9h27
